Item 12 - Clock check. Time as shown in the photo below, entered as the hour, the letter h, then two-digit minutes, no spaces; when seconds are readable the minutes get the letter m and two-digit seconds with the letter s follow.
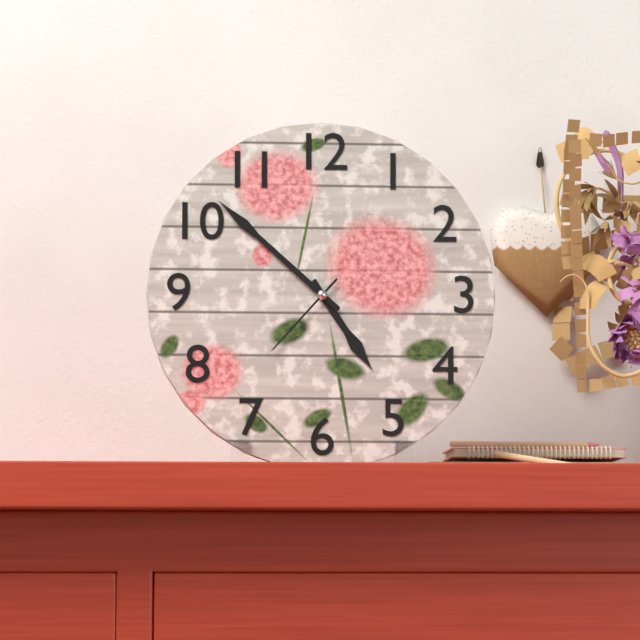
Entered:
4h52m37s
